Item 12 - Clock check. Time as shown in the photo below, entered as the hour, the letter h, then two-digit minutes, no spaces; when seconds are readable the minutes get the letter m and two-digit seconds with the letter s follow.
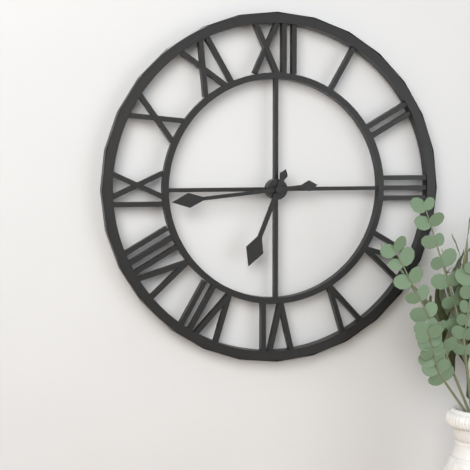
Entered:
6h44
